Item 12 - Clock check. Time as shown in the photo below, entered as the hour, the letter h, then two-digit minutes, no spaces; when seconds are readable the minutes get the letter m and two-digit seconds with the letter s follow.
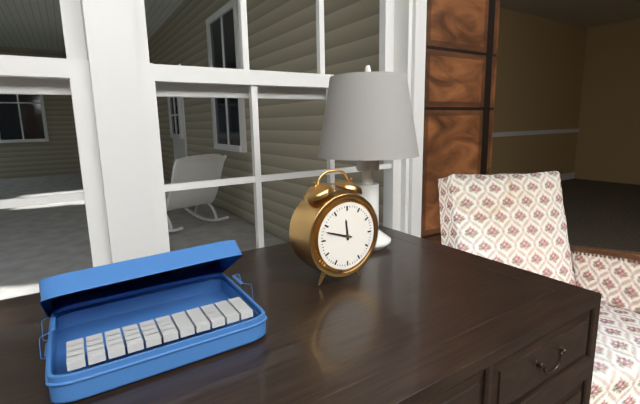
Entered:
11h48
